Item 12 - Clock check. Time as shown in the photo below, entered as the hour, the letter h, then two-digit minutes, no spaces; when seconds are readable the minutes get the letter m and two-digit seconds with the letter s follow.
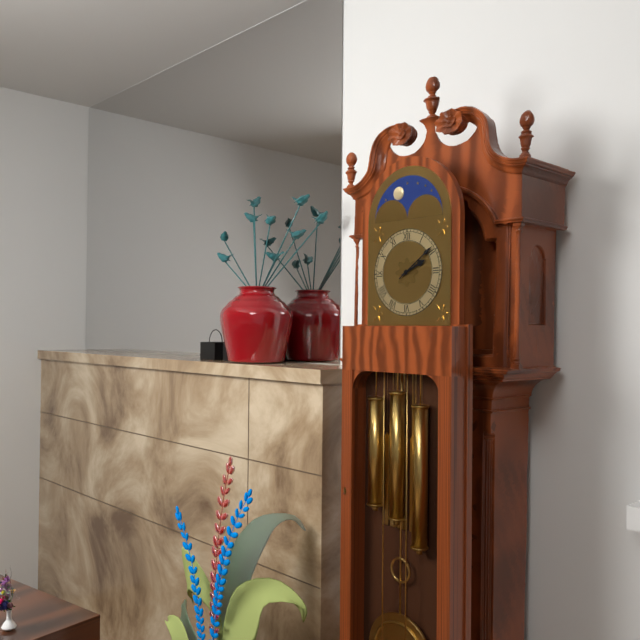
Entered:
2h09
